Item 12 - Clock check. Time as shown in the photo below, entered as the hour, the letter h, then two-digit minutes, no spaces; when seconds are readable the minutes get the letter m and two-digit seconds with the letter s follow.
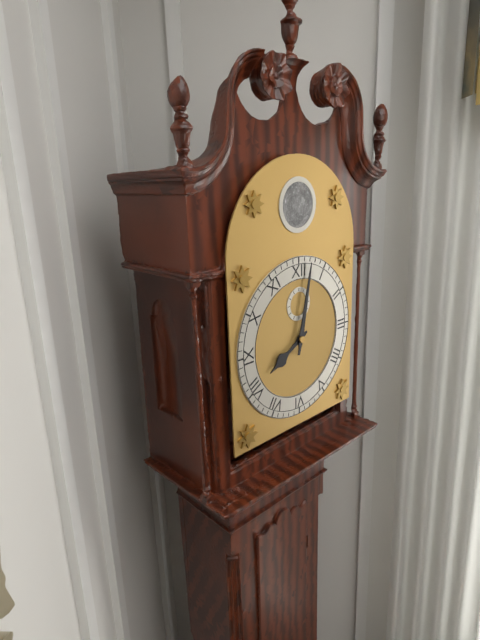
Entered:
8h02
